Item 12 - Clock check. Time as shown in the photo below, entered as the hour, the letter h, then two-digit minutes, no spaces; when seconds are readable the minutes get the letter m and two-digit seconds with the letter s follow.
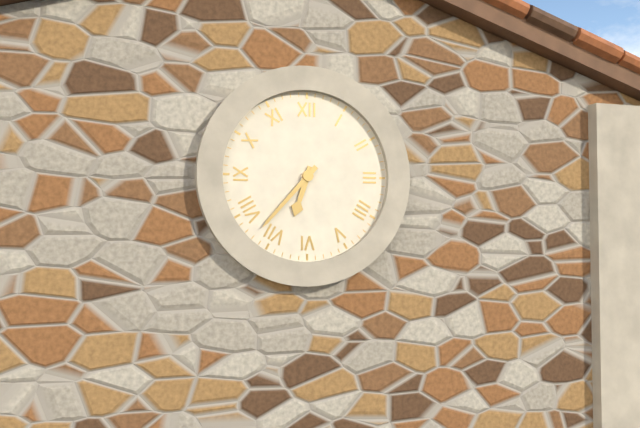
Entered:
6h37
